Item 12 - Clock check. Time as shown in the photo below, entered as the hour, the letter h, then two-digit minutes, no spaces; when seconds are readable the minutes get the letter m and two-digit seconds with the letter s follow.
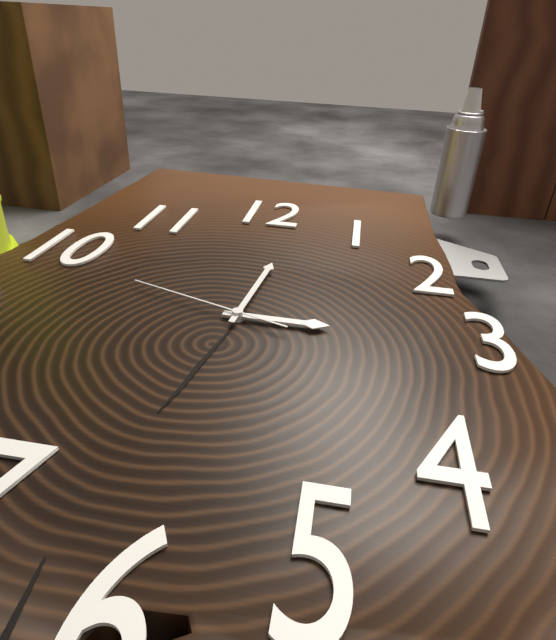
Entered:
3h01m48s
